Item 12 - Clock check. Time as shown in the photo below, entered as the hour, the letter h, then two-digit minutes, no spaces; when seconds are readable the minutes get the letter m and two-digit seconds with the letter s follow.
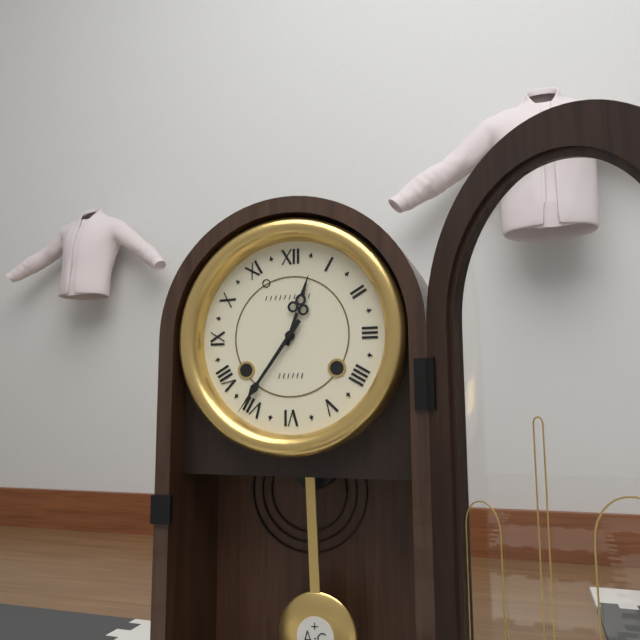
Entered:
12h36
